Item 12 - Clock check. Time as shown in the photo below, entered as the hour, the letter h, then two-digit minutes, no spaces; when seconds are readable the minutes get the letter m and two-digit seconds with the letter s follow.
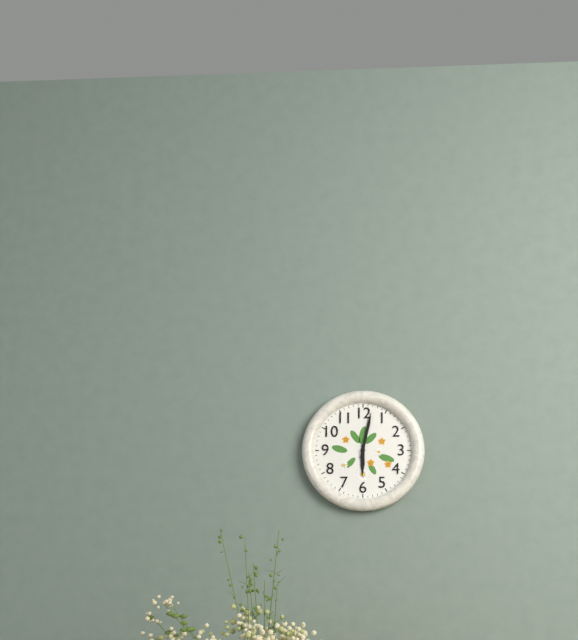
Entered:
6h02
